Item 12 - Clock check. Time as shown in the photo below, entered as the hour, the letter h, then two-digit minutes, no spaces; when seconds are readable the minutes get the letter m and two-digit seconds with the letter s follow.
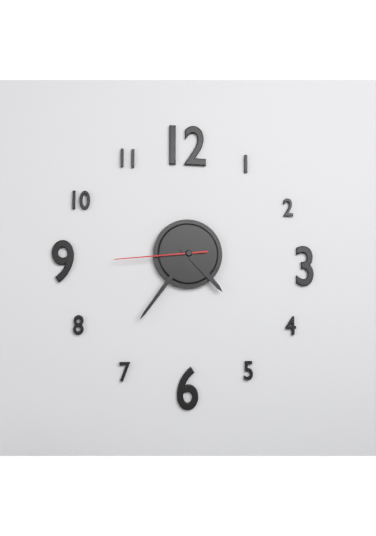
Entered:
4h36m44s
